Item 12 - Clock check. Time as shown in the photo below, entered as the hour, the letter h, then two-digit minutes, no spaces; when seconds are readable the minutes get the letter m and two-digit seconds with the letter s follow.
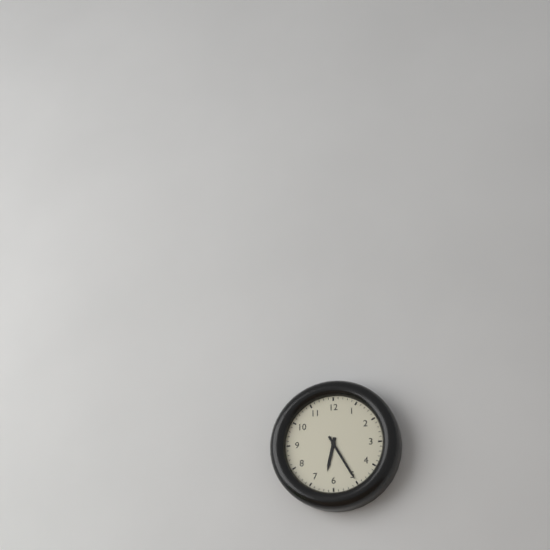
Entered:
6h25
